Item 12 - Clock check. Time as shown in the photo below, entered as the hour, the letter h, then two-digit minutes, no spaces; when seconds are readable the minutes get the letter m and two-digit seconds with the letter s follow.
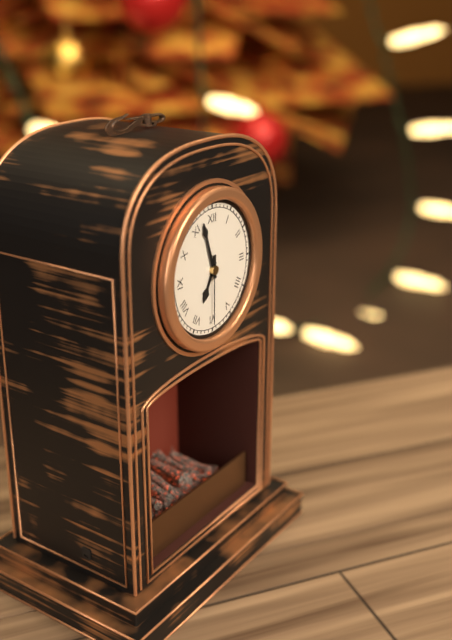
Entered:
6h57m30s
